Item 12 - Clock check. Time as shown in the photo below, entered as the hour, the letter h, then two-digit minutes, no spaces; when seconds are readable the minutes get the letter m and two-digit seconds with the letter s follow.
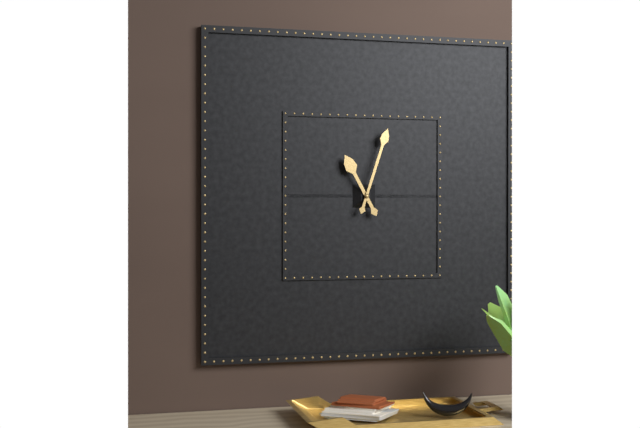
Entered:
11h03
